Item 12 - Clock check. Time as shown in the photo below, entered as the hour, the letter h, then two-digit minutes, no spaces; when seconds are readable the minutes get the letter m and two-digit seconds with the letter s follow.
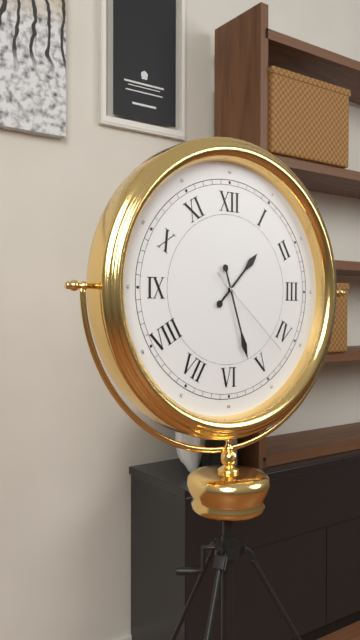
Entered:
1h27m22s
